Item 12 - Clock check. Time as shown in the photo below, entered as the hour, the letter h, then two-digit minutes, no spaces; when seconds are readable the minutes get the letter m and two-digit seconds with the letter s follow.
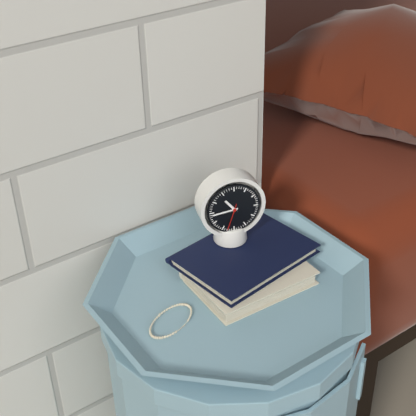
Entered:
10h44
